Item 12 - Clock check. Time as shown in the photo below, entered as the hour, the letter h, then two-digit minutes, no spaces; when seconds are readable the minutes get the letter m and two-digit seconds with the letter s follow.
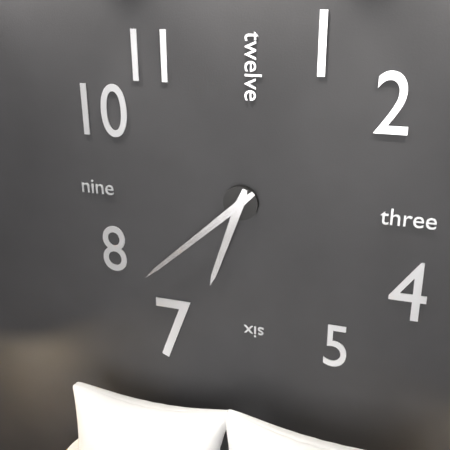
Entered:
6h38
